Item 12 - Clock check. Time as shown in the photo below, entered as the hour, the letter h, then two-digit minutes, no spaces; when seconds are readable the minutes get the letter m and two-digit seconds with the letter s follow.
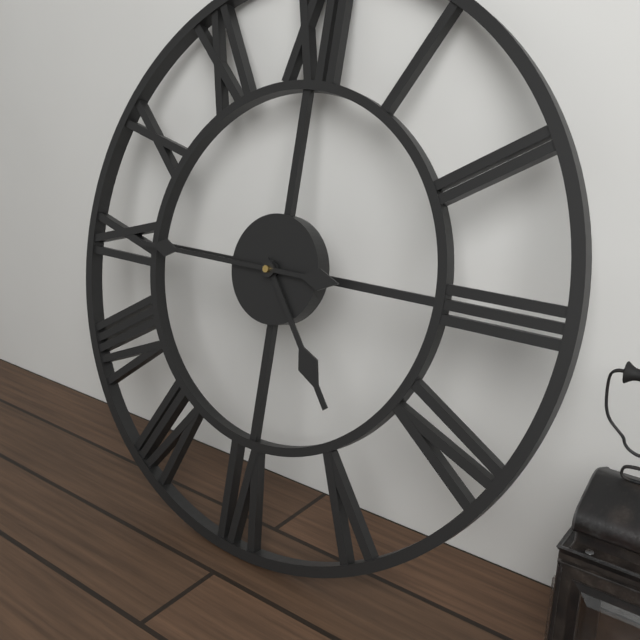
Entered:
4h45
